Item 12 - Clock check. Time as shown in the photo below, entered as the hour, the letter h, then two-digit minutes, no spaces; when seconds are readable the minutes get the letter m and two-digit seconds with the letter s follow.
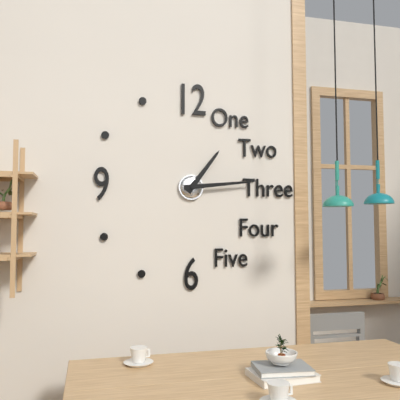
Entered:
1h14
